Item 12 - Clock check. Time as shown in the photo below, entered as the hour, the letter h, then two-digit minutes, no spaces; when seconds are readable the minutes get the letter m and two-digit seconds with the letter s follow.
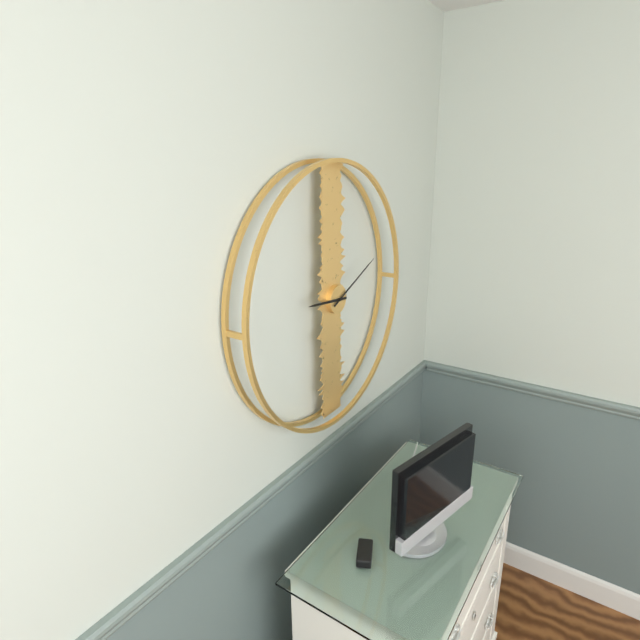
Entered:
9h11
